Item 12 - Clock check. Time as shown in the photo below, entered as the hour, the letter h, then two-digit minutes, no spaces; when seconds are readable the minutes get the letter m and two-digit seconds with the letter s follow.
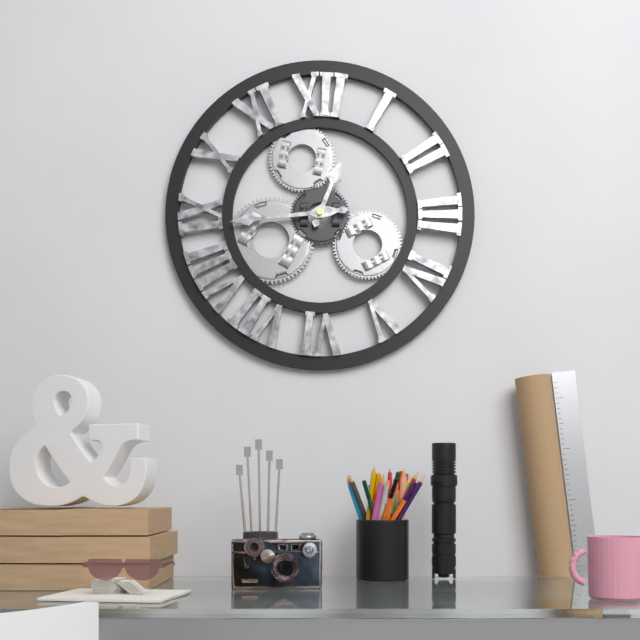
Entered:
12h44
